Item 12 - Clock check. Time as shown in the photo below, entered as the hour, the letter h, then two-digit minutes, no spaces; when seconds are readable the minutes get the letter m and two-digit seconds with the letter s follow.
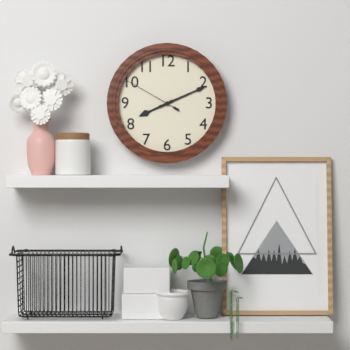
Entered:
8h11m50s
